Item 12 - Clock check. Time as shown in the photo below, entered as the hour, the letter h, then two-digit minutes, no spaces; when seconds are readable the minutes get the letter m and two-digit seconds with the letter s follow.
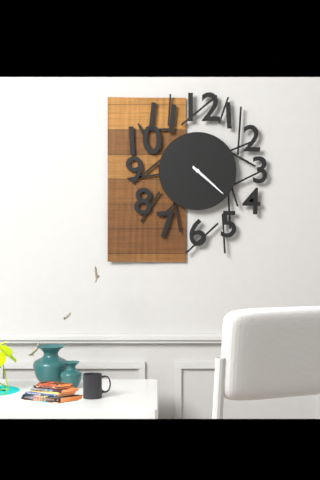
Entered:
4h22
